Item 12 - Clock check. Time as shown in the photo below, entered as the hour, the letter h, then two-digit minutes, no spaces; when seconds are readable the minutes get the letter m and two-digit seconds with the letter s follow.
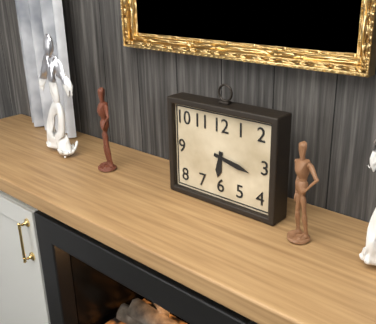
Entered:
6h17
